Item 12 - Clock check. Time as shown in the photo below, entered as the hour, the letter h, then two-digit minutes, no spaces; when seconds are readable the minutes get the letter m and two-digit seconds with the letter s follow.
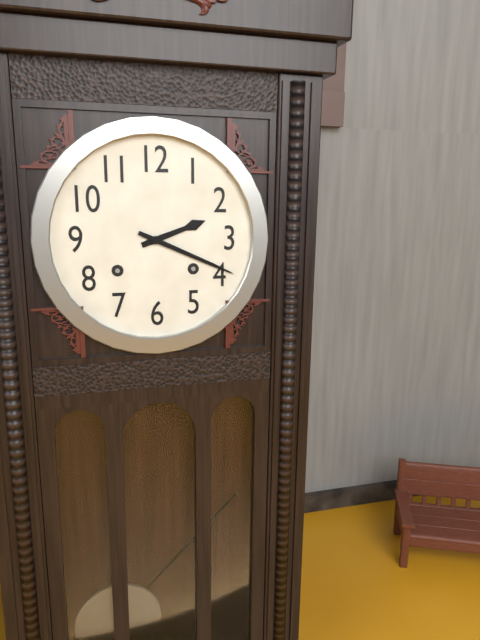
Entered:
2h19
